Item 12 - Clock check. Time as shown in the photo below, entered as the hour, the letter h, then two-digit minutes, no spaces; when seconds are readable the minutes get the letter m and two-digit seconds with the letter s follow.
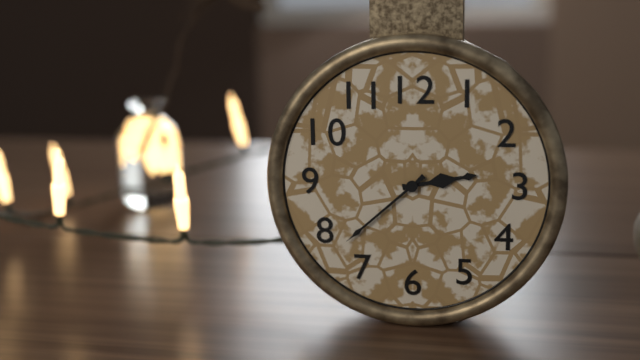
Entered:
2h38
